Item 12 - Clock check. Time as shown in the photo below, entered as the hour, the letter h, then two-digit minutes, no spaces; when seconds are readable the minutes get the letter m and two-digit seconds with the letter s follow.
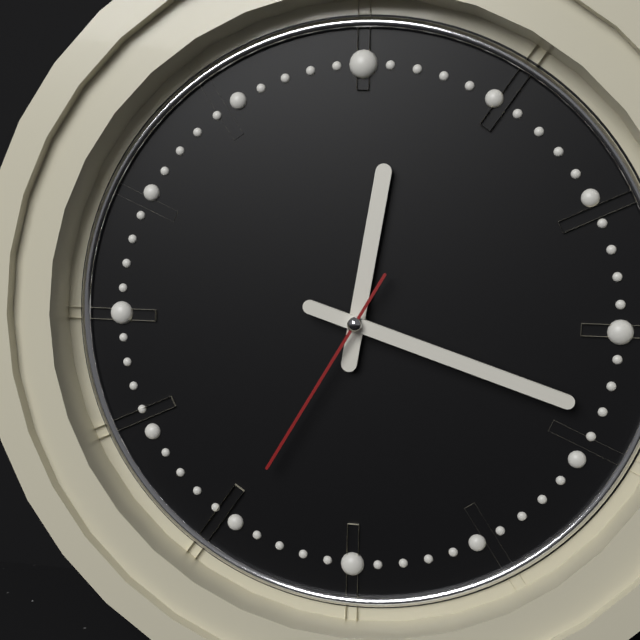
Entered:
12h18m35s
